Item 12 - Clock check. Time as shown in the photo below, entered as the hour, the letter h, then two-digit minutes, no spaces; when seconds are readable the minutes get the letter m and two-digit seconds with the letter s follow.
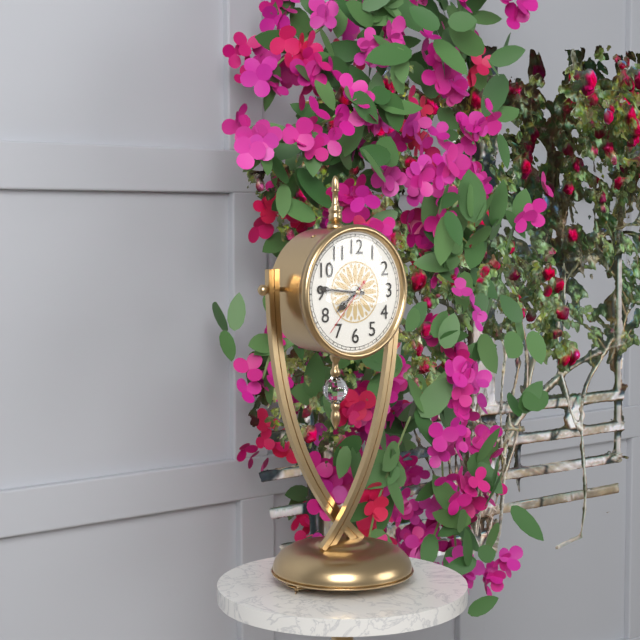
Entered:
7h46m37s
